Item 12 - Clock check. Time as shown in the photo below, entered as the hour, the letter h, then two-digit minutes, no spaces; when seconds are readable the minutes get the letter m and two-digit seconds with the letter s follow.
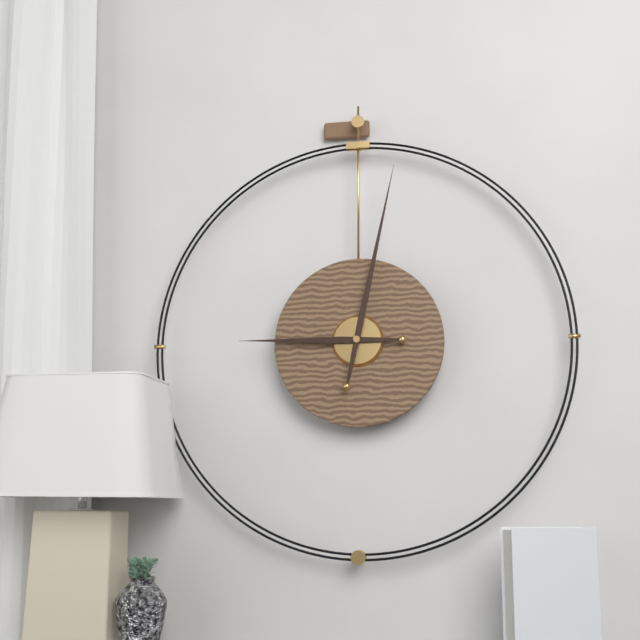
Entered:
9h02
